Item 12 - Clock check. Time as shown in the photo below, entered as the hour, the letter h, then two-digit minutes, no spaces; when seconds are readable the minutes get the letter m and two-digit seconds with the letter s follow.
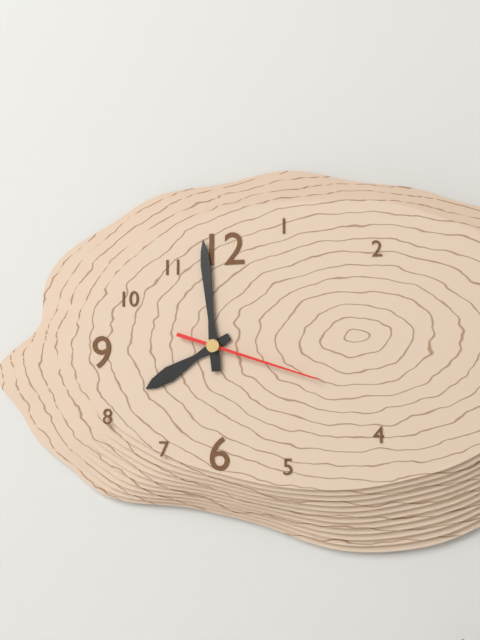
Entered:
7h59m18s
